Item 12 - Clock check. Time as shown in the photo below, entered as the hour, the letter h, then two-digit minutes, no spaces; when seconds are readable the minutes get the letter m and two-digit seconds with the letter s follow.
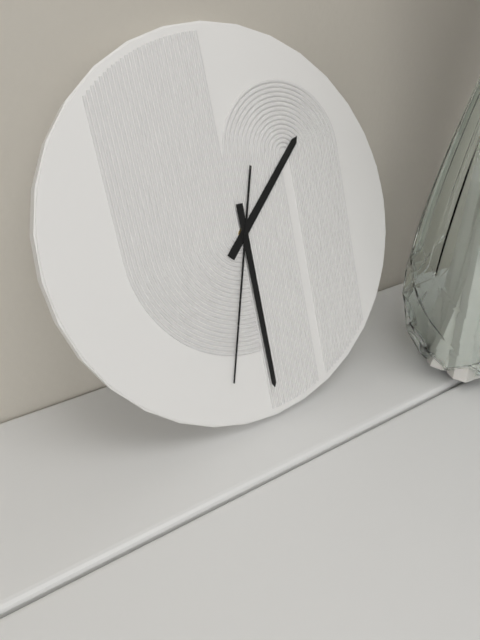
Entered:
1h30m33s
